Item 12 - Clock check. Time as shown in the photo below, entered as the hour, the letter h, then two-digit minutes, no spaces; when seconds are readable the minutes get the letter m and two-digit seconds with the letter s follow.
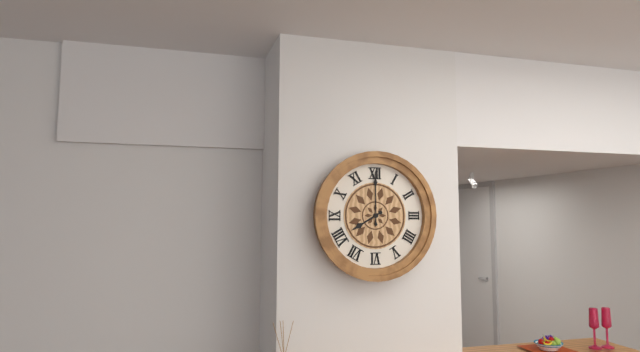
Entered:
8h00
